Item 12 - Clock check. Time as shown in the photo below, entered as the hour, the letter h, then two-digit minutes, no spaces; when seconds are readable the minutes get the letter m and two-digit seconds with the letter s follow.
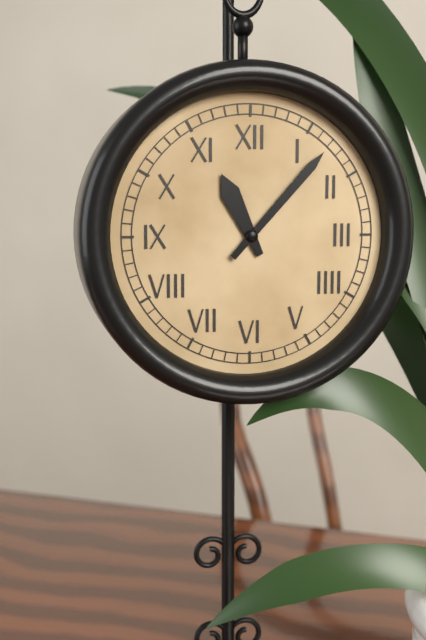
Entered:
11h07
